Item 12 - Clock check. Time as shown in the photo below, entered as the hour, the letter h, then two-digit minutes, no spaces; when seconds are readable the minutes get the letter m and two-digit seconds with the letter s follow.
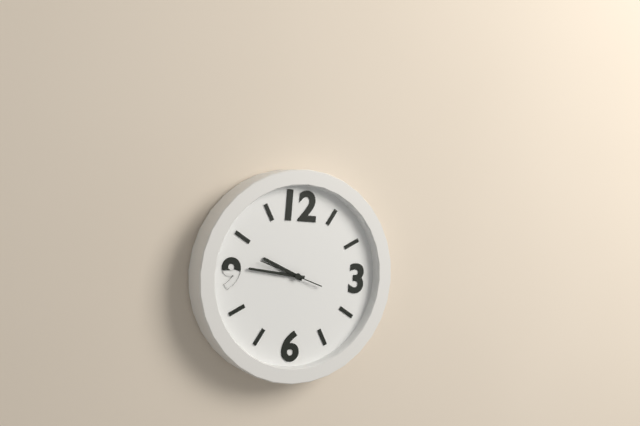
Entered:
9h46
